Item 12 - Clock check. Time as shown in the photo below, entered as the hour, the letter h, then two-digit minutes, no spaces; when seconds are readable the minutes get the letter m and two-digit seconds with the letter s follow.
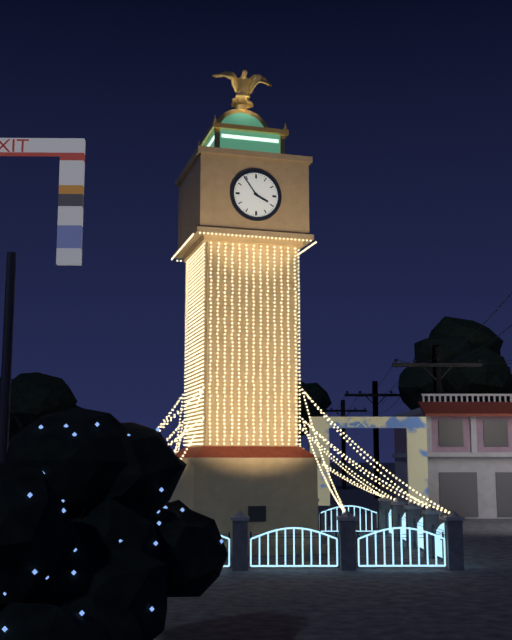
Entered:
3h54
